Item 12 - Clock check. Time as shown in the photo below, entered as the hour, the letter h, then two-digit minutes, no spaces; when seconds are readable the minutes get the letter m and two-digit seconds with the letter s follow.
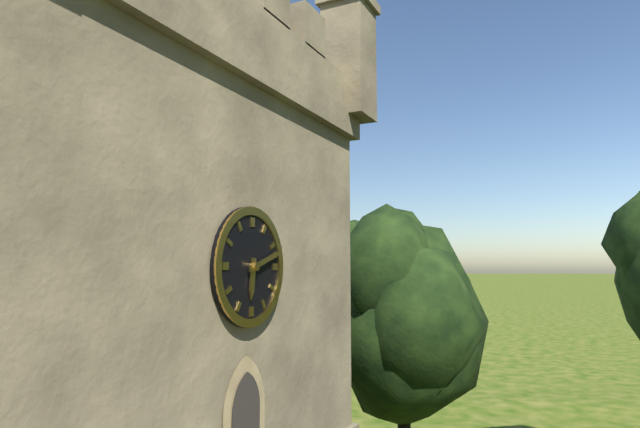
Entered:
6h12
